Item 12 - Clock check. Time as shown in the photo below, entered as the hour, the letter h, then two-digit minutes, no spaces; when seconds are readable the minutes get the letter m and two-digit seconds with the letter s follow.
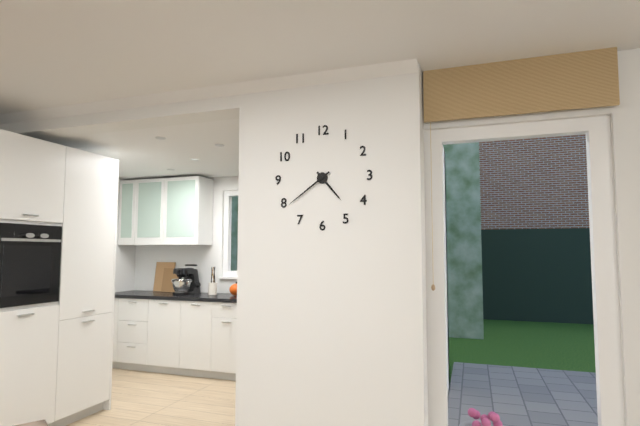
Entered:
4h39
